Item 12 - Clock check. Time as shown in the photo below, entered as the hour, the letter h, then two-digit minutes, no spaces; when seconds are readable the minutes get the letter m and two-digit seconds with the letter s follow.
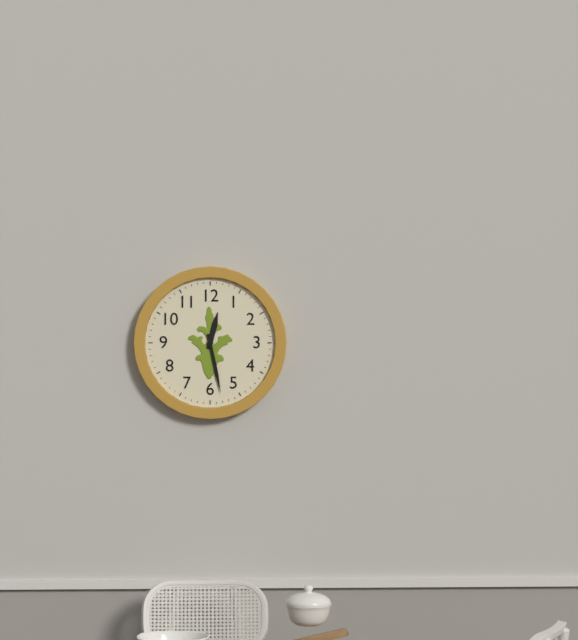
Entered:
12h28
